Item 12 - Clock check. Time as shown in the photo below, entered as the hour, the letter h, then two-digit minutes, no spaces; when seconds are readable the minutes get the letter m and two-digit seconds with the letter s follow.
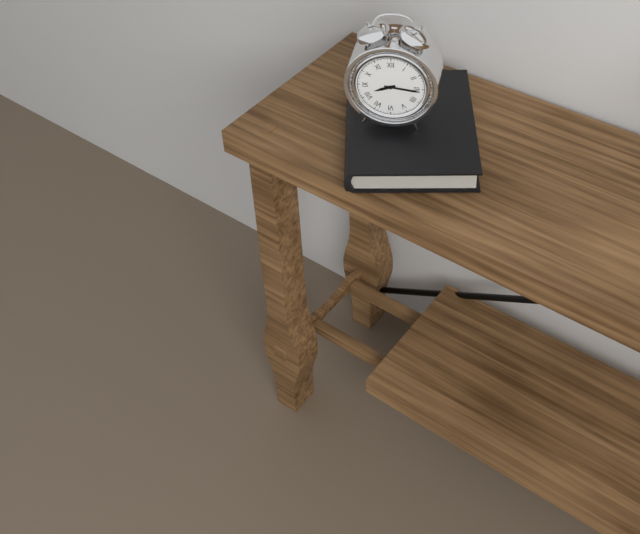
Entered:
8h16
